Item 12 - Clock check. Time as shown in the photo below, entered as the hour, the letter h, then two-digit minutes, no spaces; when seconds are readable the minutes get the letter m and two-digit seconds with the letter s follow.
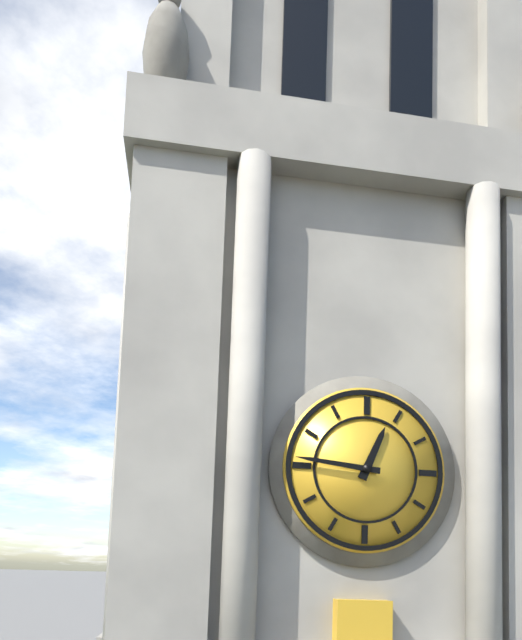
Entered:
12h46
